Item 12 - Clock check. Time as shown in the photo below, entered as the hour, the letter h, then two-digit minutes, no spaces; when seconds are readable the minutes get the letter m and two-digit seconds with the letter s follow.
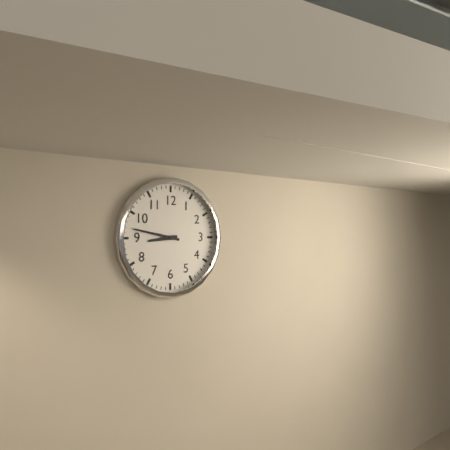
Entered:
8h47
